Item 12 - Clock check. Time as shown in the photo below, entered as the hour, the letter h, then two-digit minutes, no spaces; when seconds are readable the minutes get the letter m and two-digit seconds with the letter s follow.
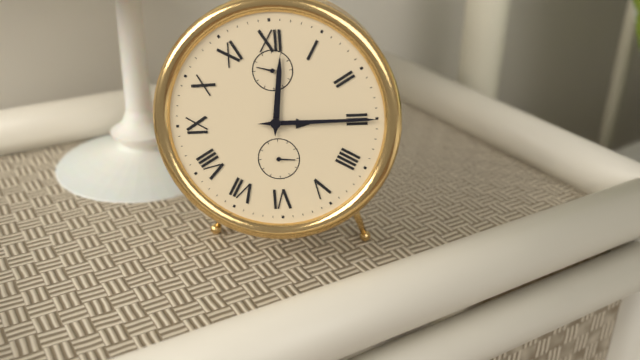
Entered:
12h15
